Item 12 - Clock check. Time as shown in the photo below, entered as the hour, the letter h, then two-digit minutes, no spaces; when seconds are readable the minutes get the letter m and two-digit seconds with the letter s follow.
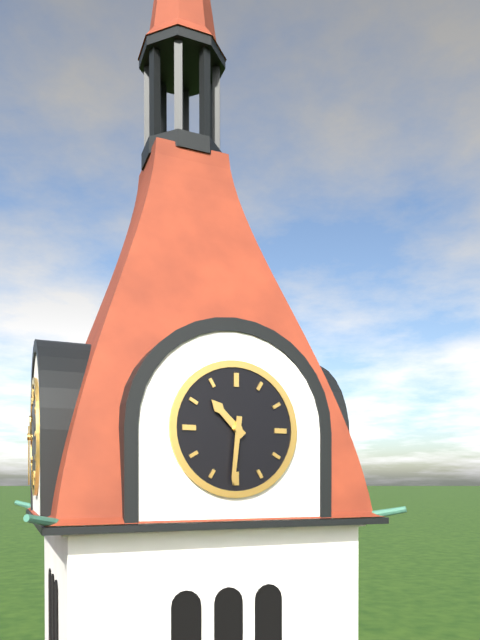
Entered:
10h31
